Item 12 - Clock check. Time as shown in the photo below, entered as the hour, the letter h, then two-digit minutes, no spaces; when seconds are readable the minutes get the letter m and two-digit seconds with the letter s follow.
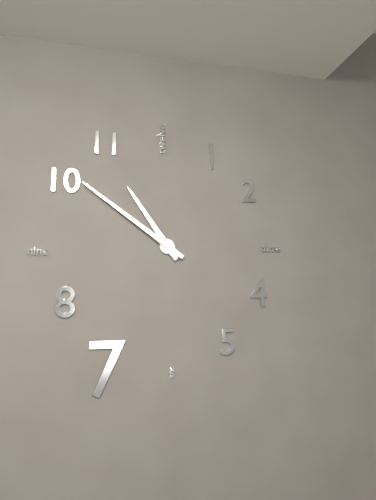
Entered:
10h51
